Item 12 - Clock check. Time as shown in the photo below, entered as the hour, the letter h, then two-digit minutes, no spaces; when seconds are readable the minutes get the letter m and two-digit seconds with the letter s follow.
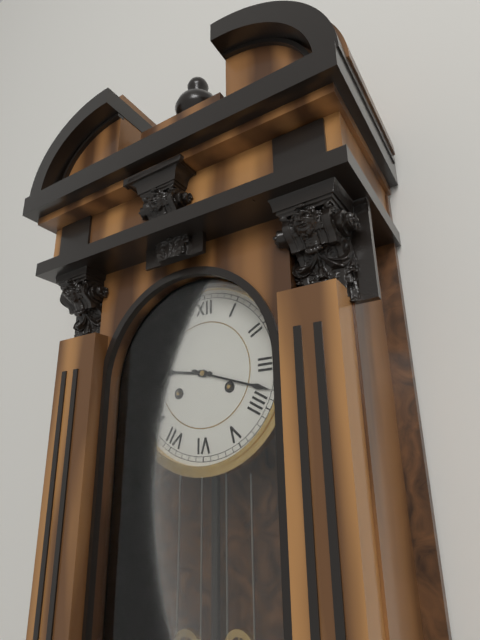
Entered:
9h18
